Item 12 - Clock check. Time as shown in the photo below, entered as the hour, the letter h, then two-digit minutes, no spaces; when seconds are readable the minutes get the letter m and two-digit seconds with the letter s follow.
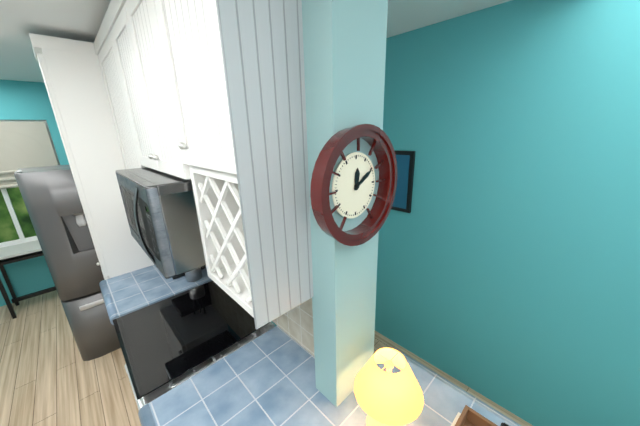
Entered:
12h10
